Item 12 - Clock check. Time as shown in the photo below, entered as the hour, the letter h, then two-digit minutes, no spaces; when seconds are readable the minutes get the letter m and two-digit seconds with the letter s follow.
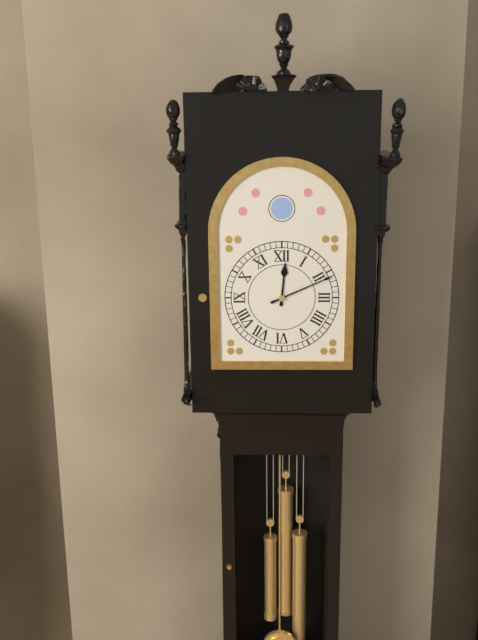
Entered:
12h11
